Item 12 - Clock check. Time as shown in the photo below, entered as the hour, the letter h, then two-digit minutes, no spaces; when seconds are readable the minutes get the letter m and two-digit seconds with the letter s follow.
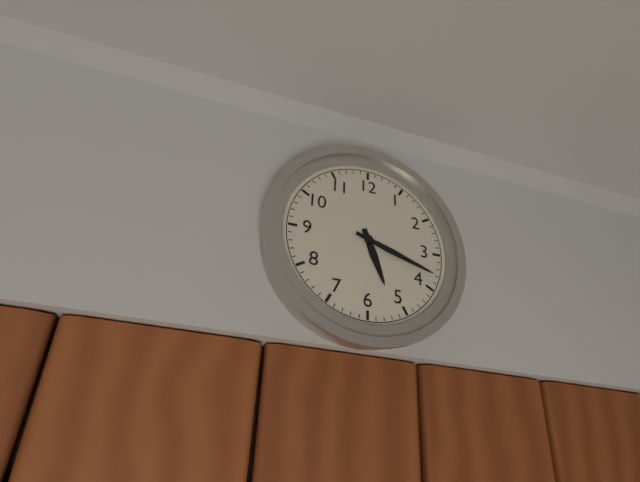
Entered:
5h18
